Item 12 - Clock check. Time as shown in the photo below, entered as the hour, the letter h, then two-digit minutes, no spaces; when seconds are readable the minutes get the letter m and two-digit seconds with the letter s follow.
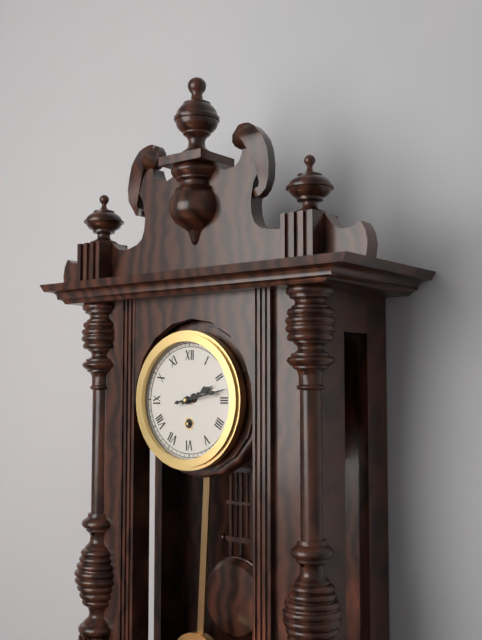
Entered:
2h13
